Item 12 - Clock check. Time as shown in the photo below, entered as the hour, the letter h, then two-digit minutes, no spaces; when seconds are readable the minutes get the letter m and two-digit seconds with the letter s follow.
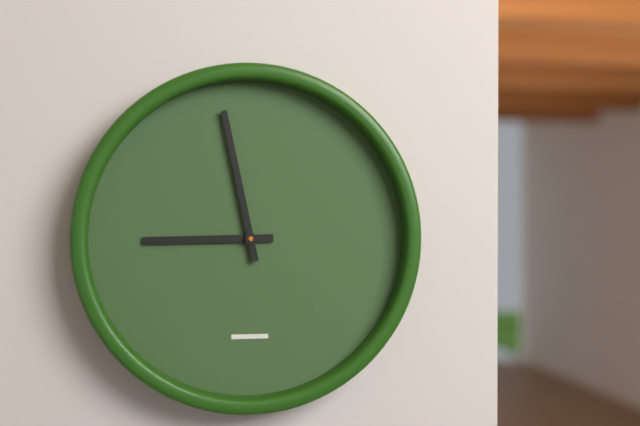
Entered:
8h58
